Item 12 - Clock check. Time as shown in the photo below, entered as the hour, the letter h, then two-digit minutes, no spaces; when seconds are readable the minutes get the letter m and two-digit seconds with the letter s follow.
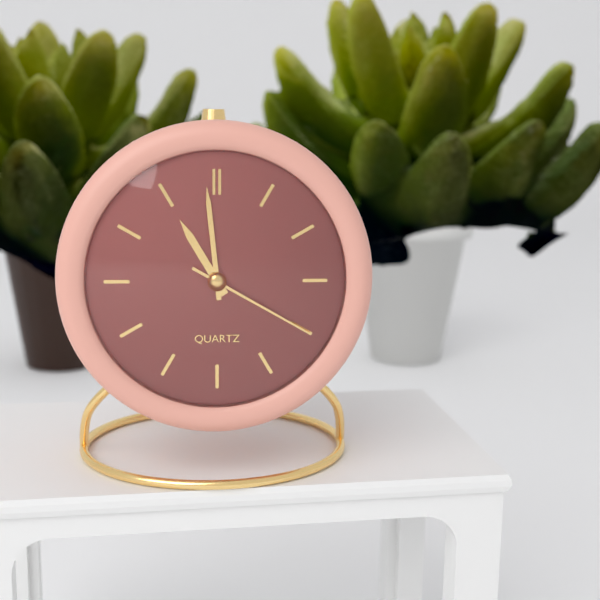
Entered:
10h59m20s
